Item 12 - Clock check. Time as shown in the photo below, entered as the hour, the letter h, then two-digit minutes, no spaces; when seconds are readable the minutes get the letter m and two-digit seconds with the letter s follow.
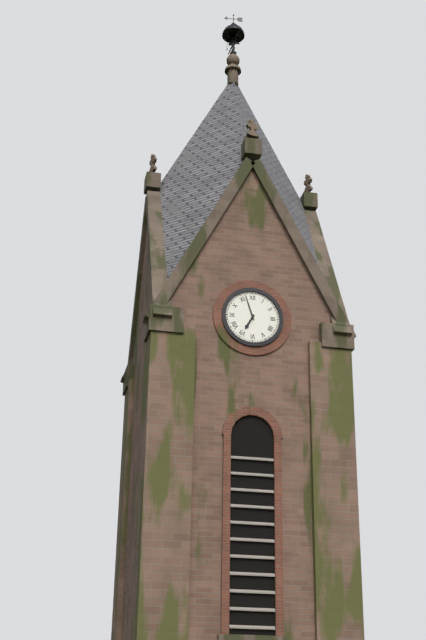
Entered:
6h57
